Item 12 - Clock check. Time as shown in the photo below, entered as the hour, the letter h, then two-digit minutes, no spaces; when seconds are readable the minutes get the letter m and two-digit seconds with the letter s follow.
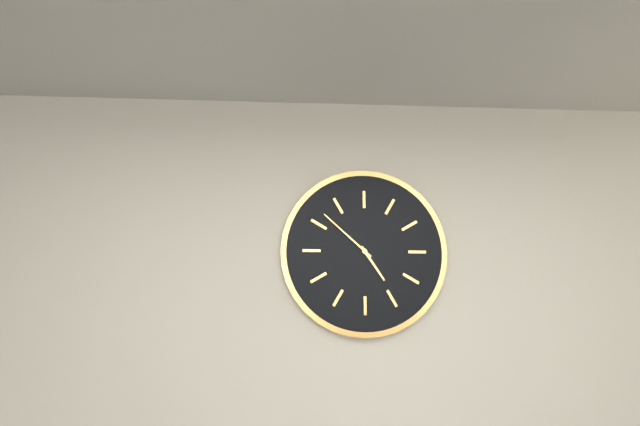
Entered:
4h52
